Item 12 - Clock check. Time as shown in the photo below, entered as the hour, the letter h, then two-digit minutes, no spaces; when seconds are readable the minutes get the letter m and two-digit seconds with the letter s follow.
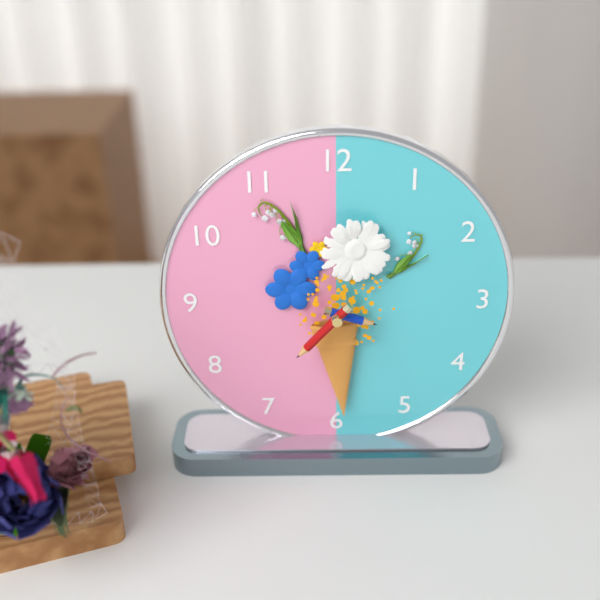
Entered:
3h37
